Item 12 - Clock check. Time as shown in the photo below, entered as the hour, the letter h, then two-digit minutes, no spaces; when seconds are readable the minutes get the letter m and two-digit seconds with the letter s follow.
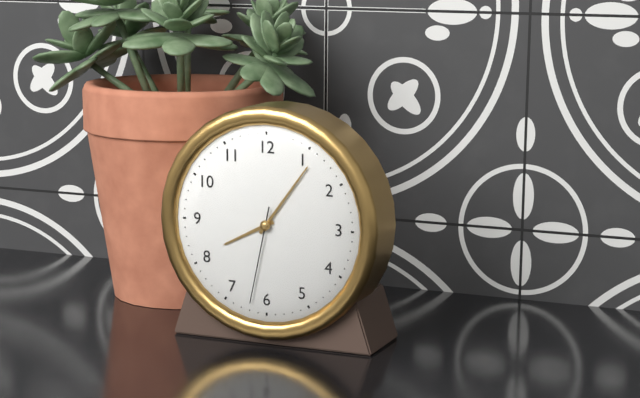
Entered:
8h06m32s
